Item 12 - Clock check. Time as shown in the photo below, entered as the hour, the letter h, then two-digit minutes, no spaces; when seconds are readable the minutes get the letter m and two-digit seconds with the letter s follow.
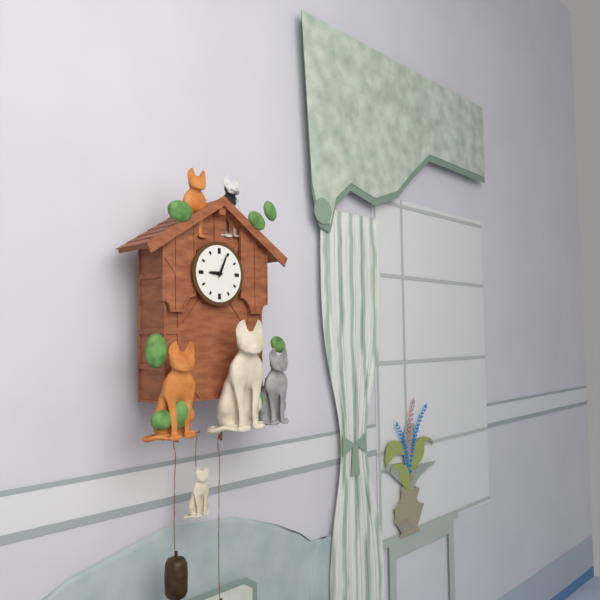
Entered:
9h04
